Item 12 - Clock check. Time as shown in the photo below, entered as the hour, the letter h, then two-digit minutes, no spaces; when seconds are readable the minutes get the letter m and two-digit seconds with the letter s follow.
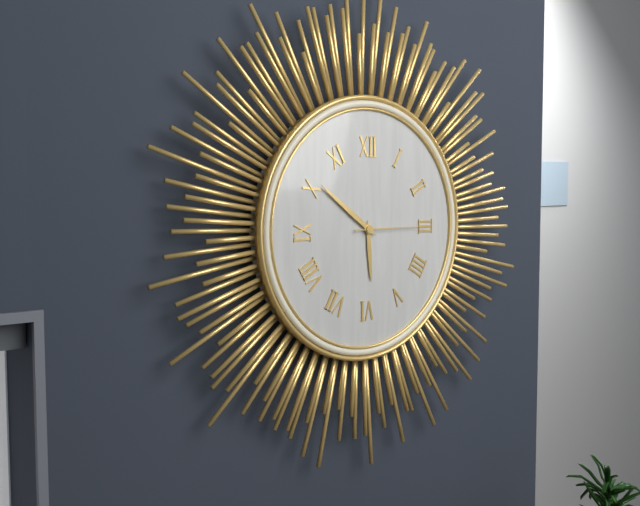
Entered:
5h51m15s
